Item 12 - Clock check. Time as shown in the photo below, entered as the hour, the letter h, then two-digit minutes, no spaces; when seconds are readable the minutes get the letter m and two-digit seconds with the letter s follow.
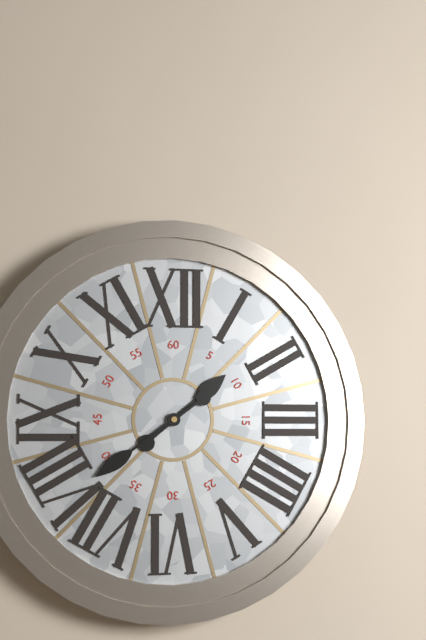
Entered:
1h39
